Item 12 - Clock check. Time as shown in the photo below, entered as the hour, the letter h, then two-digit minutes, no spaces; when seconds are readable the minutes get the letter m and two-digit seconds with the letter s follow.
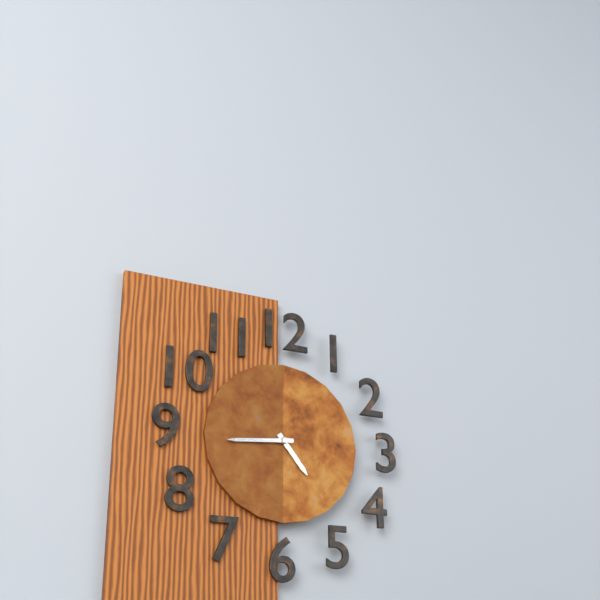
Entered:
4h44
